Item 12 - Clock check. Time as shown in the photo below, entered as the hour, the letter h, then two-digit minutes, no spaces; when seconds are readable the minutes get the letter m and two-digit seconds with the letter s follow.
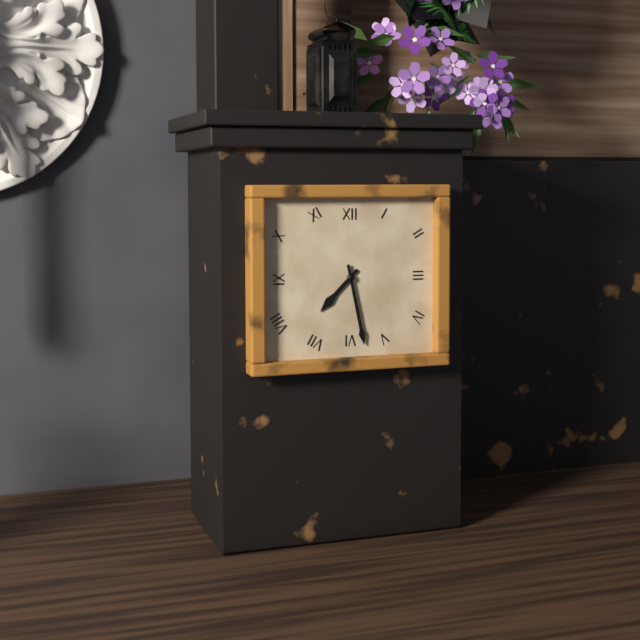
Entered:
7h28
